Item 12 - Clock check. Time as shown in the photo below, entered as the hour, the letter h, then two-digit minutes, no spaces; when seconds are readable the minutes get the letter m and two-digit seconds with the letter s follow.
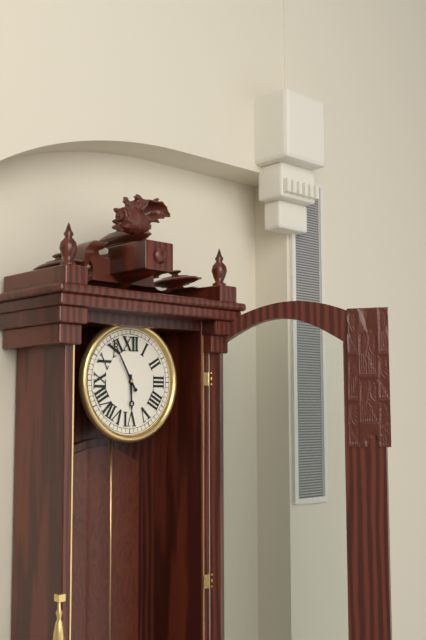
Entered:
5h55
